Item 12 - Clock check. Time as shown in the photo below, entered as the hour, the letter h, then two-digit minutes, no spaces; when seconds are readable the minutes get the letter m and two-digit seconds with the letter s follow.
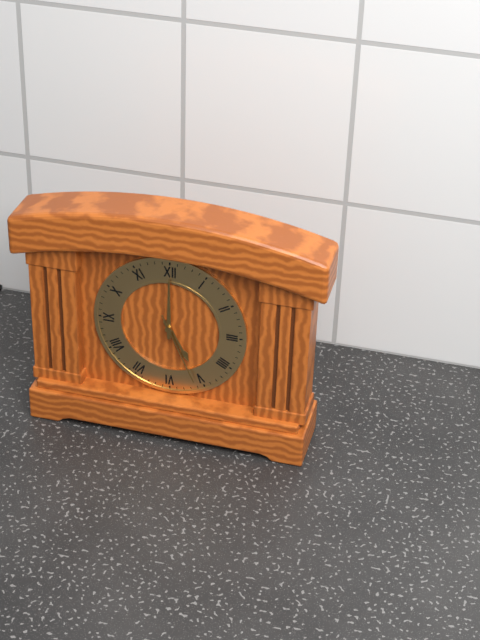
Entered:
5h00m26s
